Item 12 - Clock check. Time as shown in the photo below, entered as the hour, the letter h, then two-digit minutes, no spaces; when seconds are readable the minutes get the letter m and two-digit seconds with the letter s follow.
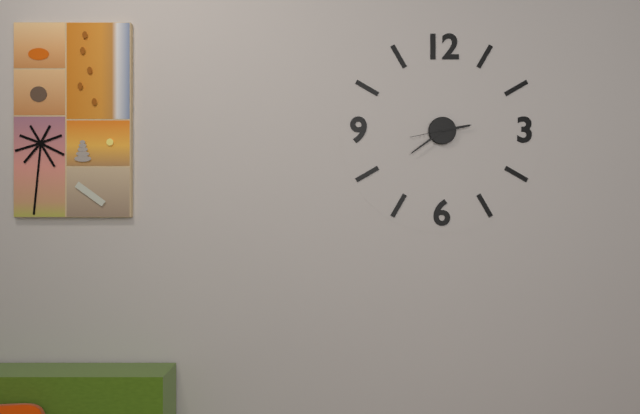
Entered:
2h39
